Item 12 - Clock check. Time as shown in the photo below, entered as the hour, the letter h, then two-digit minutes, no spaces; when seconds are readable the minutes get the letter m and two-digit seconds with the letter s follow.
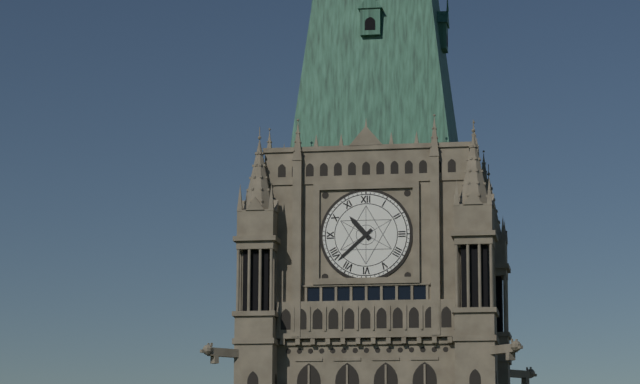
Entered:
10h38
